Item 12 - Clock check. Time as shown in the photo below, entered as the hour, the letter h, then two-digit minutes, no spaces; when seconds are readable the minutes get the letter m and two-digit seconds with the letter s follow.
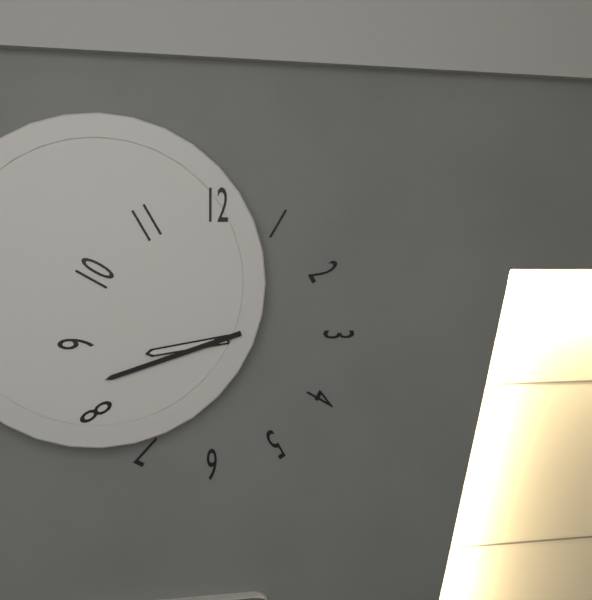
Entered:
8h42
